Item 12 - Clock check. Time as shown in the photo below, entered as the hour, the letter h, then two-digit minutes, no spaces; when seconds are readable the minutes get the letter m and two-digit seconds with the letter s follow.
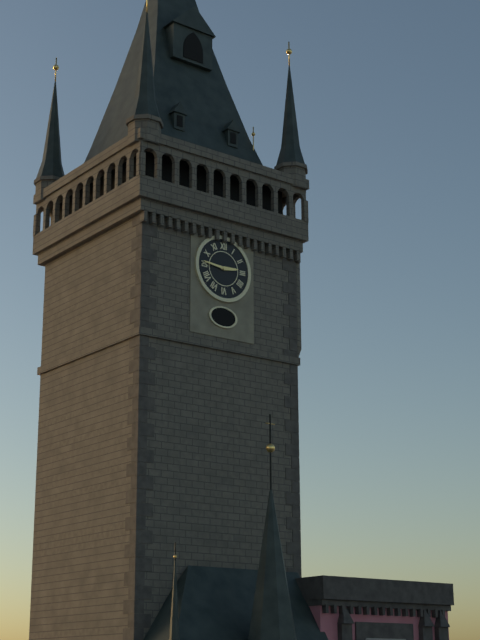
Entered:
2h46
